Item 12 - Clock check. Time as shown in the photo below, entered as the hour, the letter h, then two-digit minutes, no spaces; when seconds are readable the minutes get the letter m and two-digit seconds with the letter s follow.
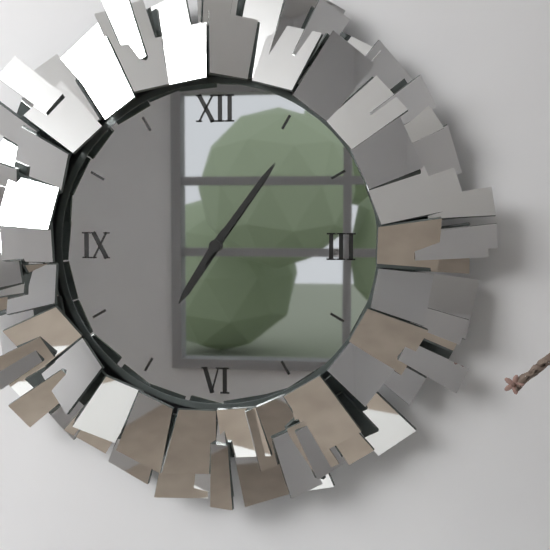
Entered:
7h06
